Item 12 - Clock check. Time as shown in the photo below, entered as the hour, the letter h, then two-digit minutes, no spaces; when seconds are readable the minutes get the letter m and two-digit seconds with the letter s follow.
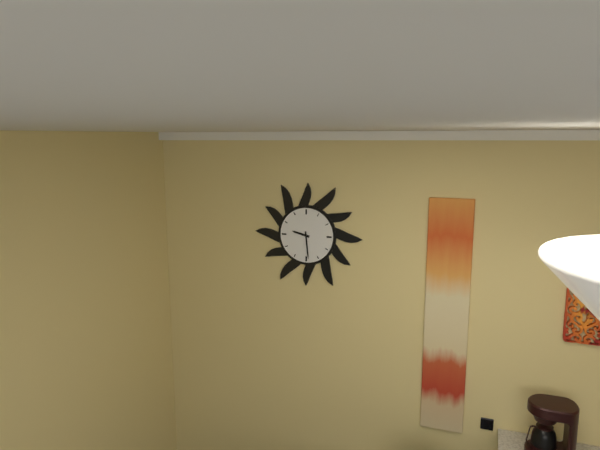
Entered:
9h29
